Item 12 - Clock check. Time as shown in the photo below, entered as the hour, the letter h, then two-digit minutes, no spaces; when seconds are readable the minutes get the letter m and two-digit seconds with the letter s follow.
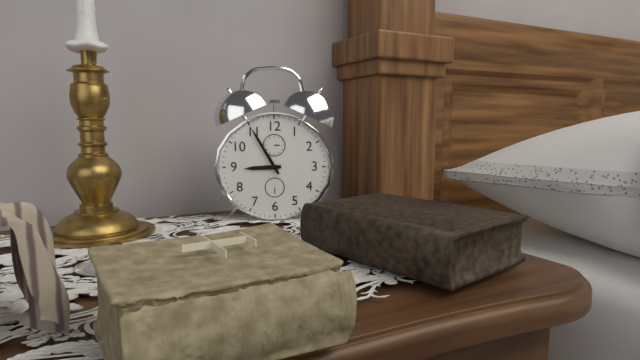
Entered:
8h55
